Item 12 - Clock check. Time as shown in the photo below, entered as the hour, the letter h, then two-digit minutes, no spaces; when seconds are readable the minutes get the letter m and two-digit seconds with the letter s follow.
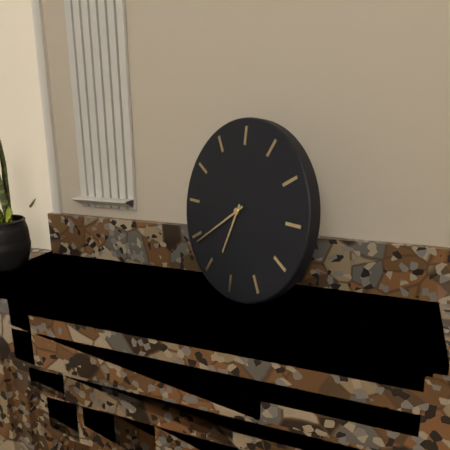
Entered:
6h39
